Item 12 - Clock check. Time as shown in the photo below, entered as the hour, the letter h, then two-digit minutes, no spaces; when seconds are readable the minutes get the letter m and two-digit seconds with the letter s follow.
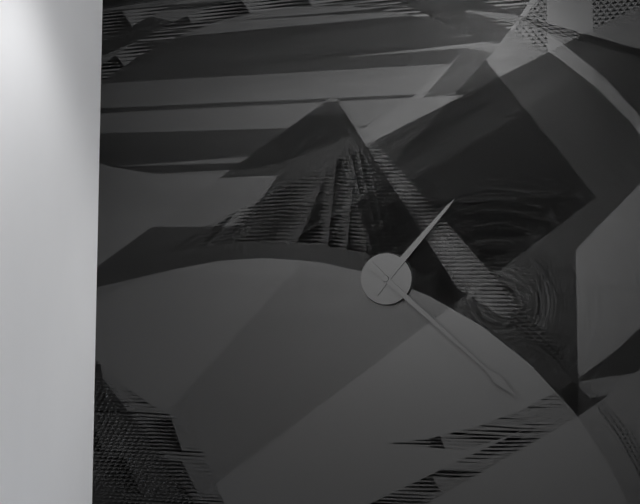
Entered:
1h22
